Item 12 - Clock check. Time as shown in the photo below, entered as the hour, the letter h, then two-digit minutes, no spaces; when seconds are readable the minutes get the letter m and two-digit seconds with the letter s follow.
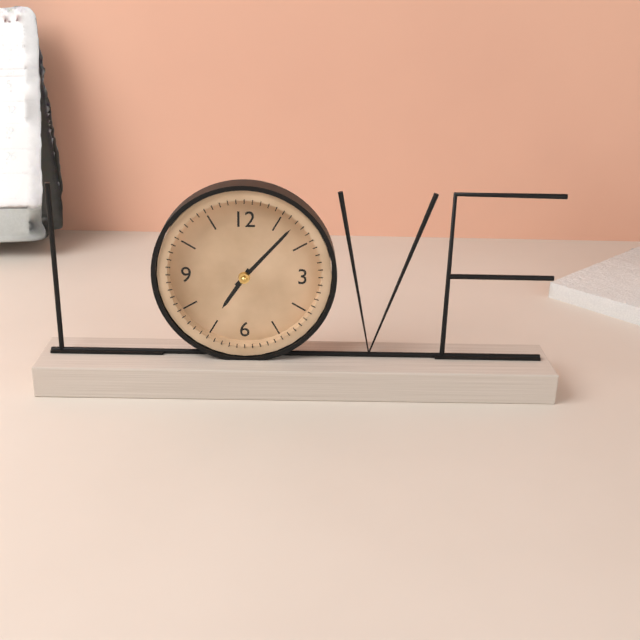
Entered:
7h07
